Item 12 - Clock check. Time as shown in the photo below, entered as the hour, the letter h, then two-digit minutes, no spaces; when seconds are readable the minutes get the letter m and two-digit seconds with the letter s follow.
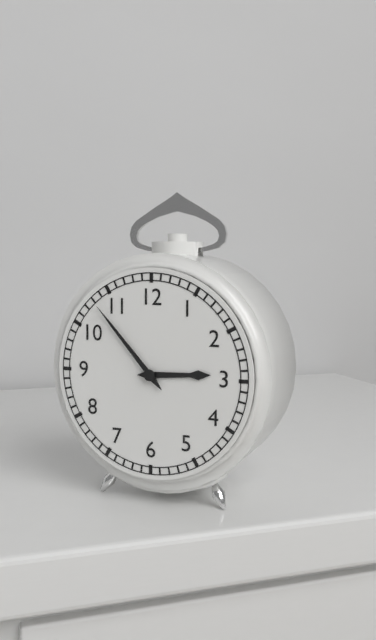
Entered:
2h53
